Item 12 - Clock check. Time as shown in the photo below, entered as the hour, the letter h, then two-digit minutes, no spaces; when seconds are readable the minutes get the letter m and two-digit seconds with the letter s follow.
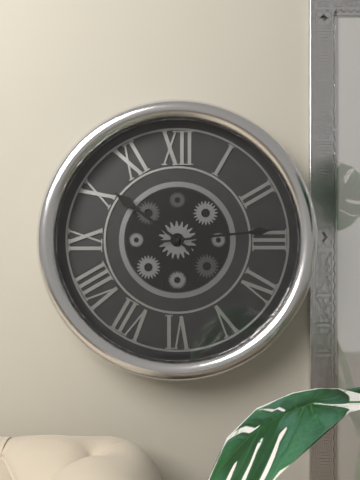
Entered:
10h14
